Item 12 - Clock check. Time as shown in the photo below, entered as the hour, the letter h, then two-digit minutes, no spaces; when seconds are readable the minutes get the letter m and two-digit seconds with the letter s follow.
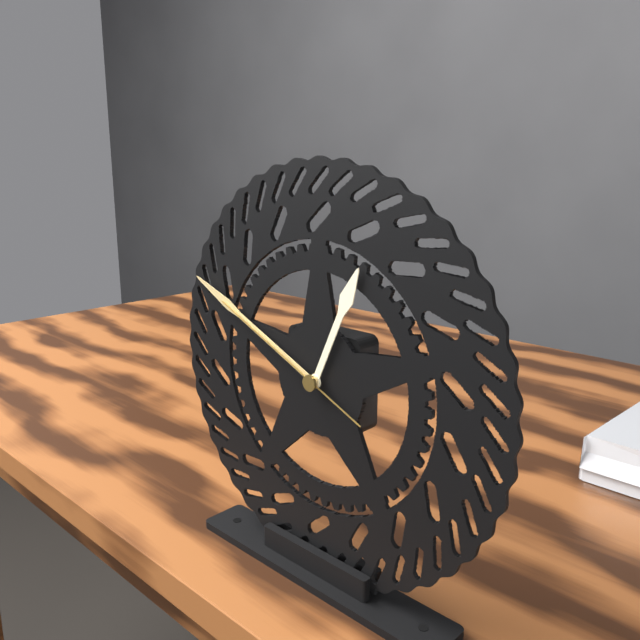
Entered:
12h49m49s
